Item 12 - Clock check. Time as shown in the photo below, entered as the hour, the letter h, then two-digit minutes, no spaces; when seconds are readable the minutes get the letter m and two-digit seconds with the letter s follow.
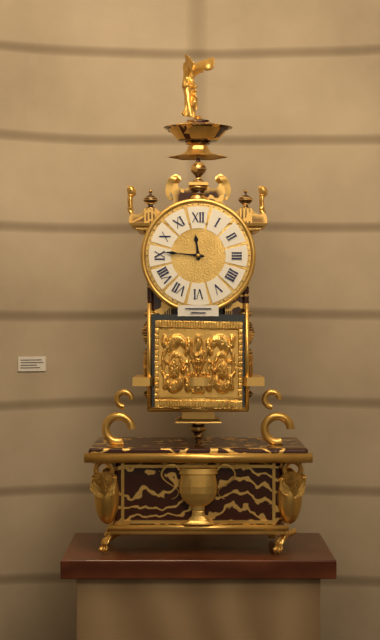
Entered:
11h46
